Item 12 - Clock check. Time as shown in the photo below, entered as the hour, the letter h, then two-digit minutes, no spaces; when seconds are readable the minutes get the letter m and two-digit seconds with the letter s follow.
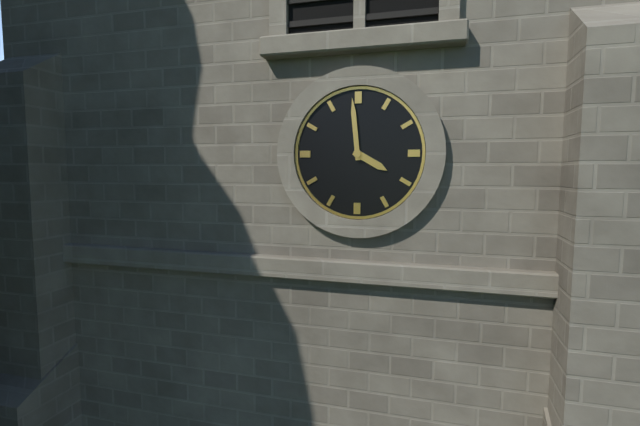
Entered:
3h59
